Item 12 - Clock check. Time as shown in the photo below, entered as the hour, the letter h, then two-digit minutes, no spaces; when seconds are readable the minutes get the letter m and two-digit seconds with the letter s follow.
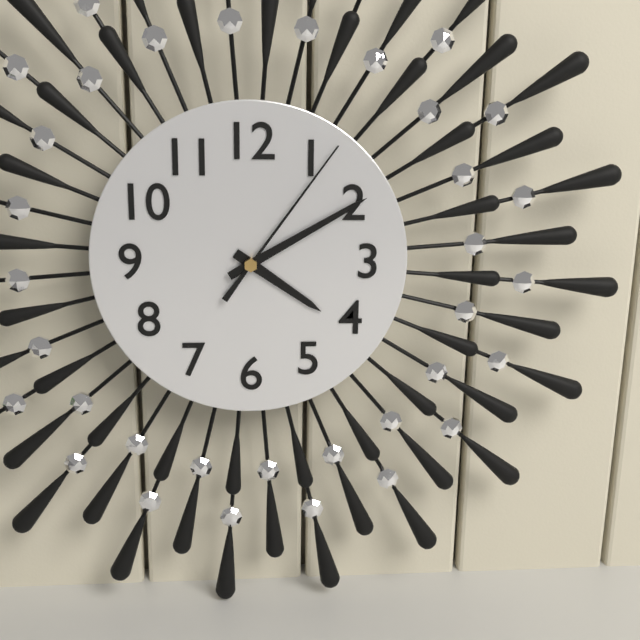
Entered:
4h10m06s
